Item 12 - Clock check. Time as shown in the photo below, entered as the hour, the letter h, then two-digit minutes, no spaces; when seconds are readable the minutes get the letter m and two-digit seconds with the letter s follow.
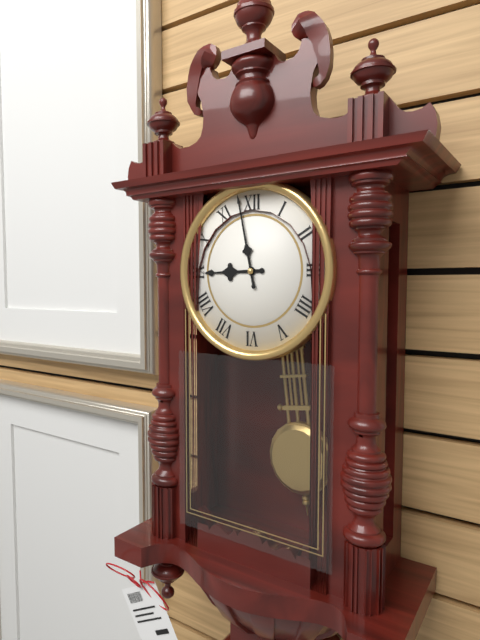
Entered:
8h58
